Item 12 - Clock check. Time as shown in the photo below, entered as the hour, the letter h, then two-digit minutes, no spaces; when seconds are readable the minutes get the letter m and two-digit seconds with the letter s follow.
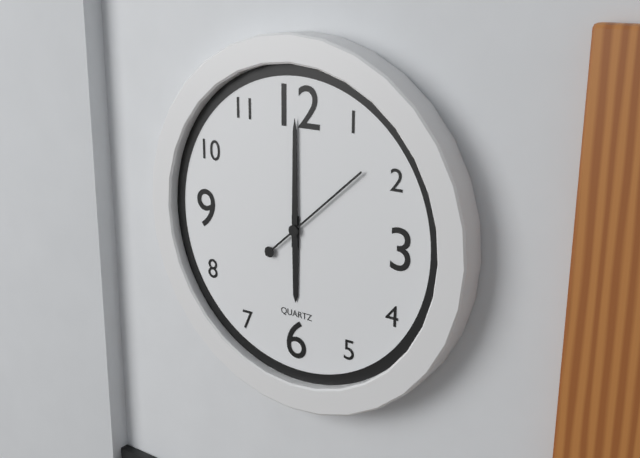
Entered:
6h00m08s
